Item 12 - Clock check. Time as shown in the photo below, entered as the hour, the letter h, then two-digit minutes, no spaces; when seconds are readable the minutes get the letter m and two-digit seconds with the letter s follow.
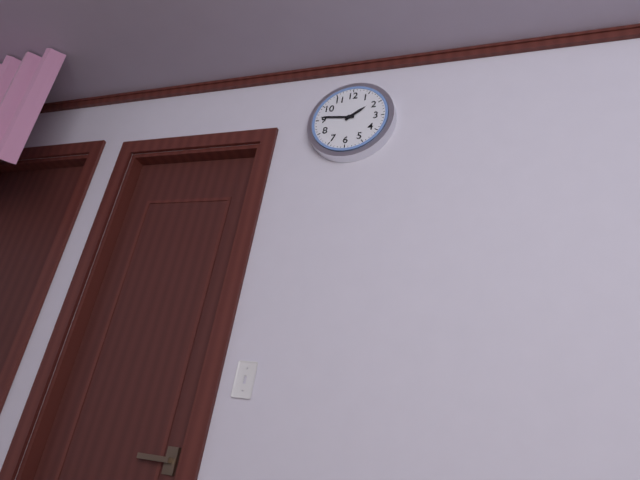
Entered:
1h46
